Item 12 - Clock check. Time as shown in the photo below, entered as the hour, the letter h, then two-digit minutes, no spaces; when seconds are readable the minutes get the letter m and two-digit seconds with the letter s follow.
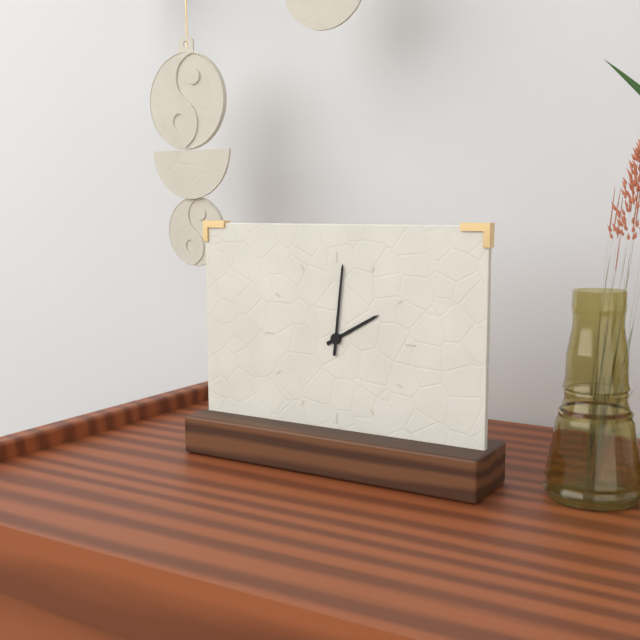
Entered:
2h01
